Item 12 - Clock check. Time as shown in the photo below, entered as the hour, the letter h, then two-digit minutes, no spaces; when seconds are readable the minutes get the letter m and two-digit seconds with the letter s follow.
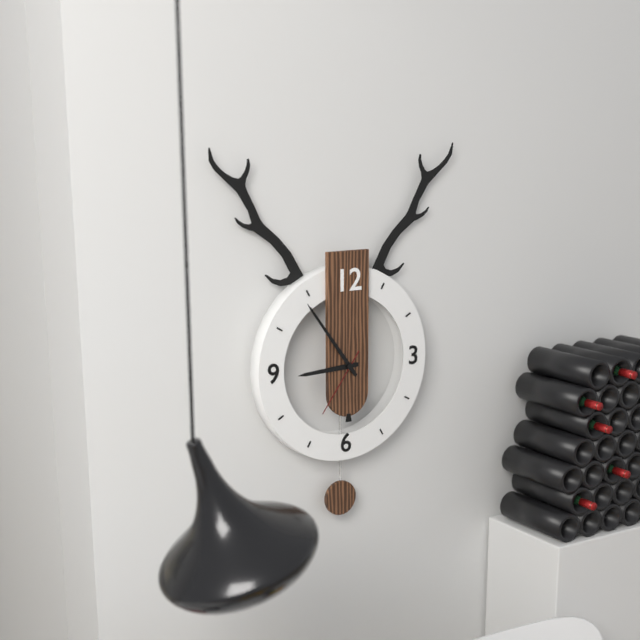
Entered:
8h54m36s
